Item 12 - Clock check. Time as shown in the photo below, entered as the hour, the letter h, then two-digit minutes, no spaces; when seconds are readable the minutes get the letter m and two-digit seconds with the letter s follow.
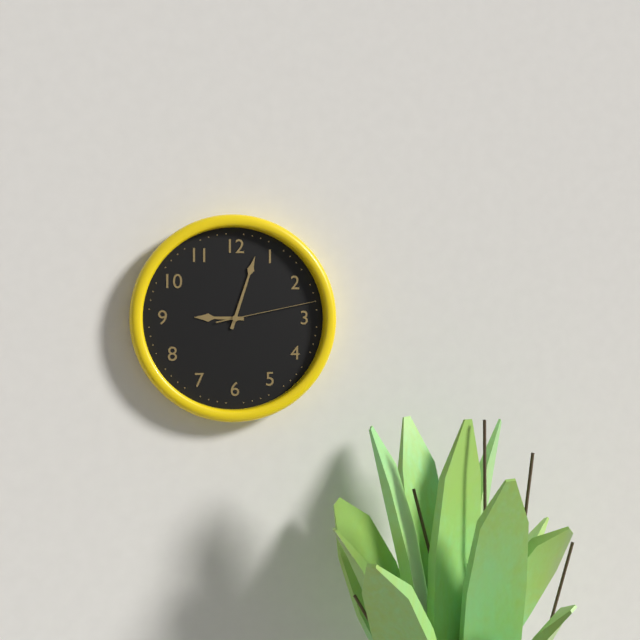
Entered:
9h03m13s
